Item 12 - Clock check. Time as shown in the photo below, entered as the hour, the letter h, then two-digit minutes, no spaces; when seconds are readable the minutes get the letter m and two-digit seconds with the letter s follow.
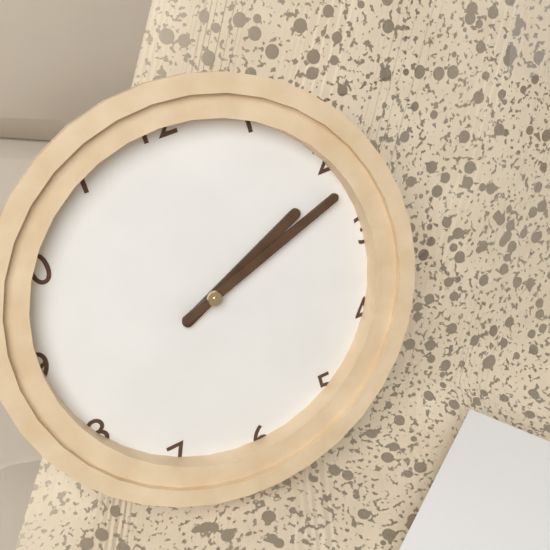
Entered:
2h12
